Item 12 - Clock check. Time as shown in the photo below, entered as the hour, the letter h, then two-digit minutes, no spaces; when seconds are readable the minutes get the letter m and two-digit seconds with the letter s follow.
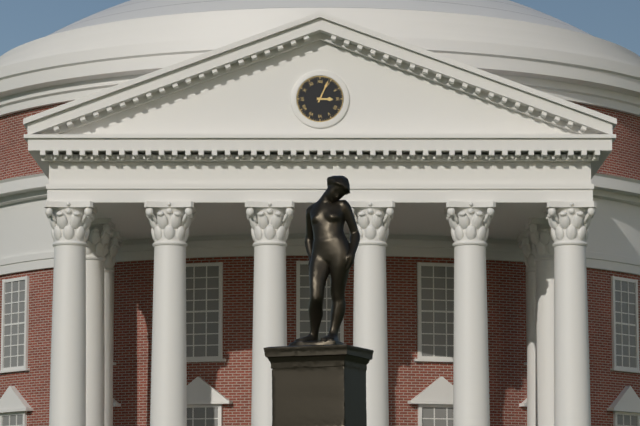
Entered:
3h04
